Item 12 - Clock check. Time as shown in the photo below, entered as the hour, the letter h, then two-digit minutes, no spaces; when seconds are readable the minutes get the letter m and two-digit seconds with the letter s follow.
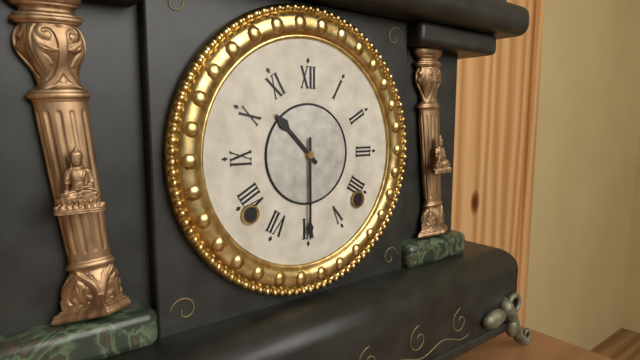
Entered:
10h30
